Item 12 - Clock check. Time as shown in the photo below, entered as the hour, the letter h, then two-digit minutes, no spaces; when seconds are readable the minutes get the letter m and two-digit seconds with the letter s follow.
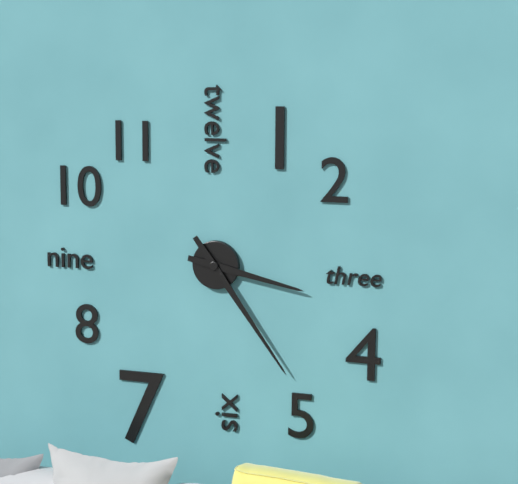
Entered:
3h24
